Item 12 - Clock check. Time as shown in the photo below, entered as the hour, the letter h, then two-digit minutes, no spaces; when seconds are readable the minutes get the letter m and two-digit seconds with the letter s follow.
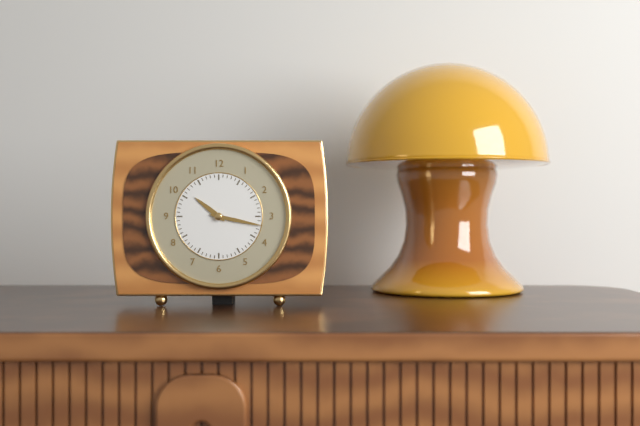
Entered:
10h17
